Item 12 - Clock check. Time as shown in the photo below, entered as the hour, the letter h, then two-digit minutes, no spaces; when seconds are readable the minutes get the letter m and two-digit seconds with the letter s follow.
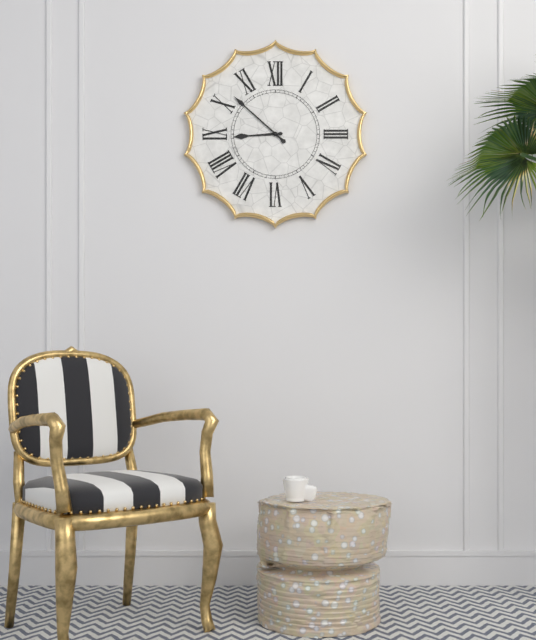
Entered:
8h52
